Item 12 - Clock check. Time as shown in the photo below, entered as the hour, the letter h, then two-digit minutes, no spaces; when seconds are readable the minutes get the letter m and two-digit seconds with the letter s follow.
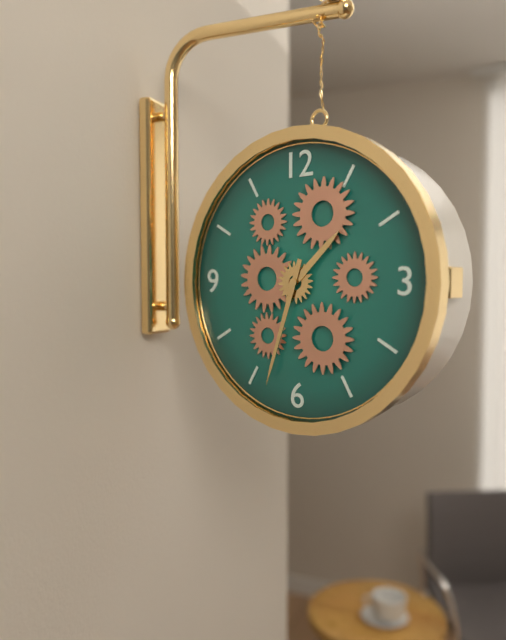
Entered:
1h33
